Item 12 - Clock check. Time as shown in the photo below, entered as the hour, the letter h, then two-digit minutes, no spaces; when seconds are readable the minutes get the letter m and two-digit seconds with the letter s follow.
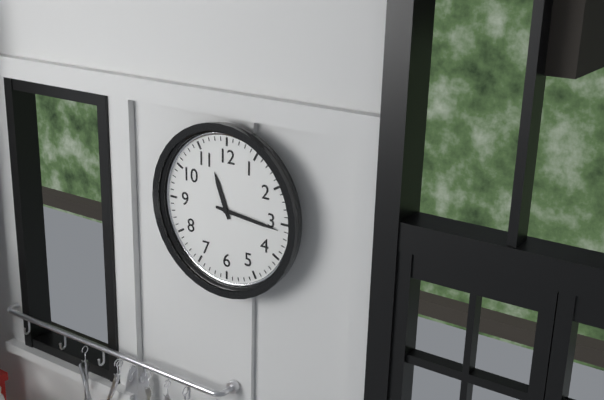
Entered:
11h16
